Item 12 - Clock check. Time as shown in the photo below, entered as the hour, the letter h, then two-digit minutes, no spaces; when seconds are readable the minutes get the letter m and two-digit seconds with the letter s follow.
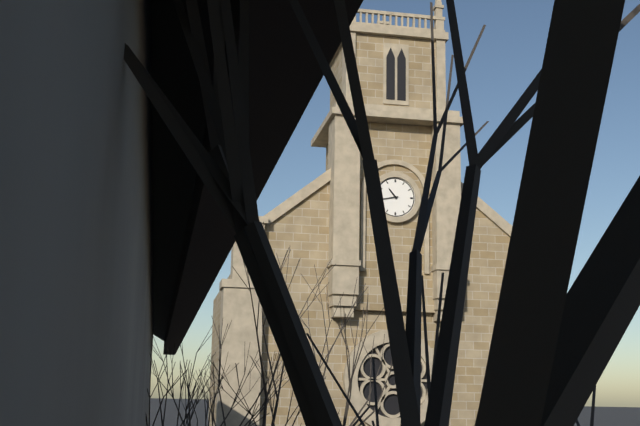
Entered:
10h43
